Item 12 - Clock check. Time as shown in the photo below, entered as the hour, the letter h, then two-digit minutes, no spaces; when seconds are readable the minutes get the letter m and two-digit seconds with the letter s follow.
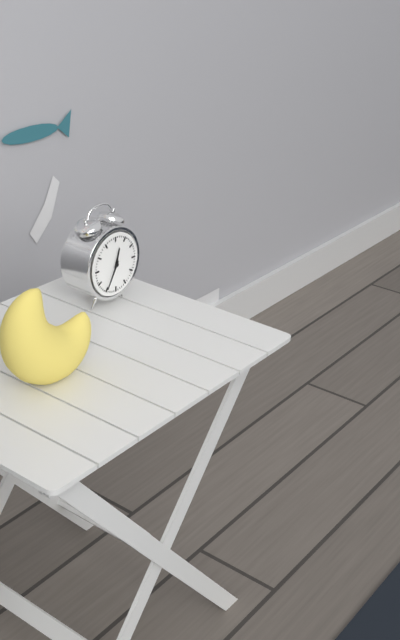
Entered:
12h35
